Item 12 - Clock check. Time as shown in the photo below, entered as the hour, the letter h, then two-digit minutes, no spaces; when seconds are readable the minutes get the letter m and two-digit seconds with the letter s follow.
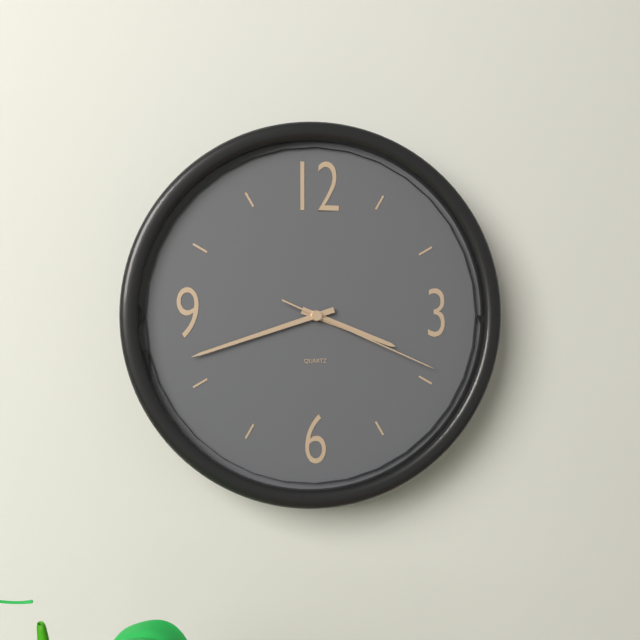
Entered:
3h42m19s
